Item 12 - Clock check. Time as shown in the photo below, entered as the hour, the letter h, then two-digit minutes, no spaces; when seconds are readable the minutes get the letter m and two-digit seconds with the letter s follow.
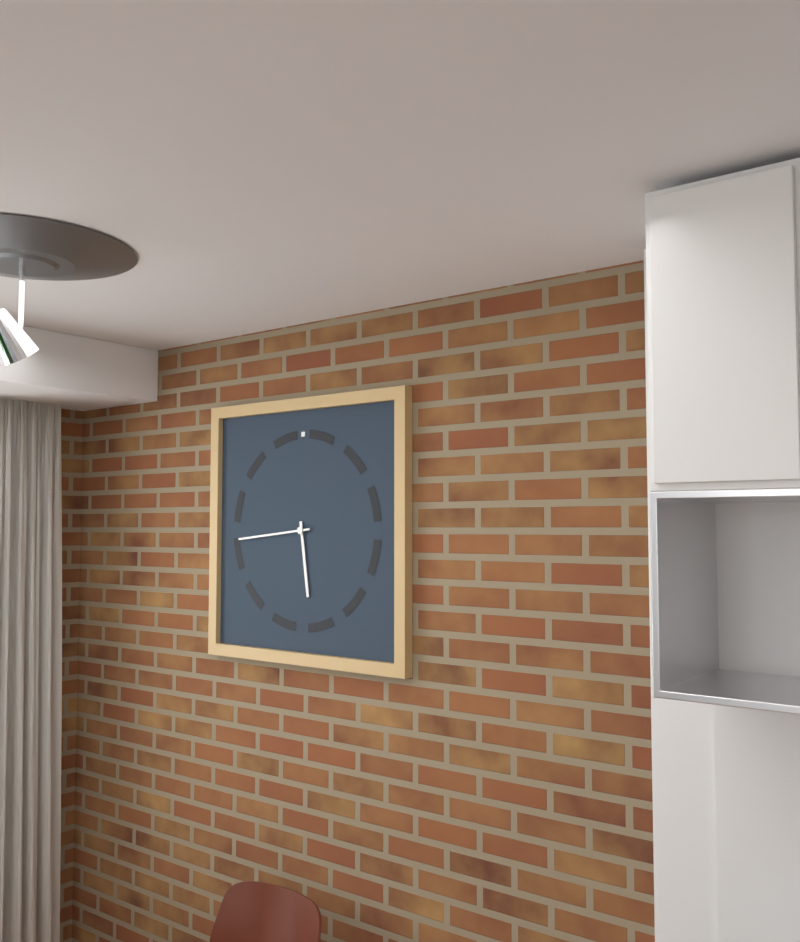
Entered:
5h44
